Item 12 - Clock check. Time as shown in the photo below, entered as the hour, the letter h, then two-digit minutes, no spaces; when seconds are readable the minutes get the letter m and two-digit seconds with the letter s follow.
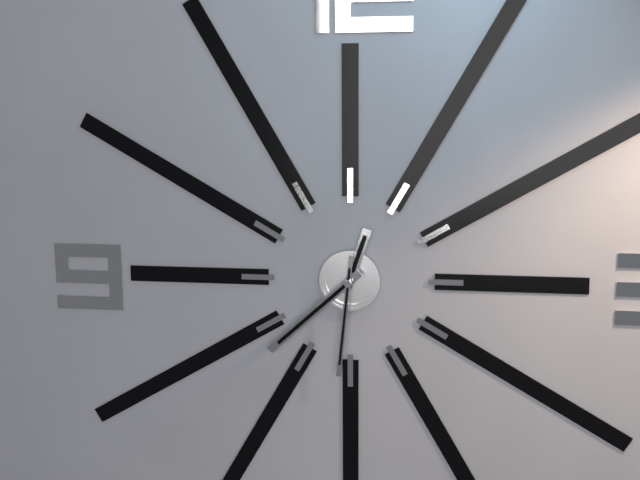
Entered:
12h38m31s
